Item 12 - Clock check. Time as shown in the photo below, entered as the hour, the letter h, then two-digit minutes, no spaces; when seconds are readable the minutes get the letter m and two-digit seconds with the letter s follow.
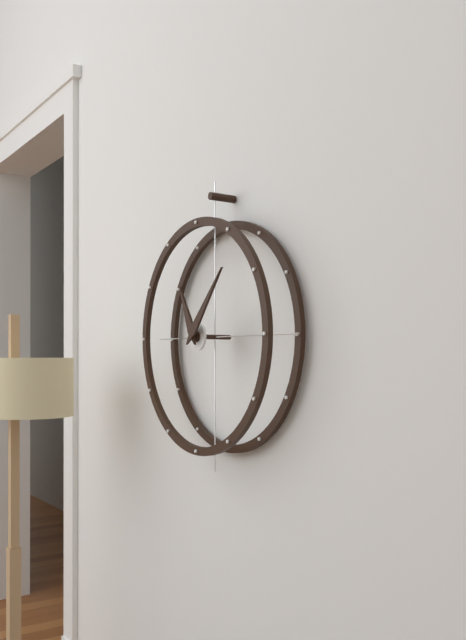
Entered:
11h07
